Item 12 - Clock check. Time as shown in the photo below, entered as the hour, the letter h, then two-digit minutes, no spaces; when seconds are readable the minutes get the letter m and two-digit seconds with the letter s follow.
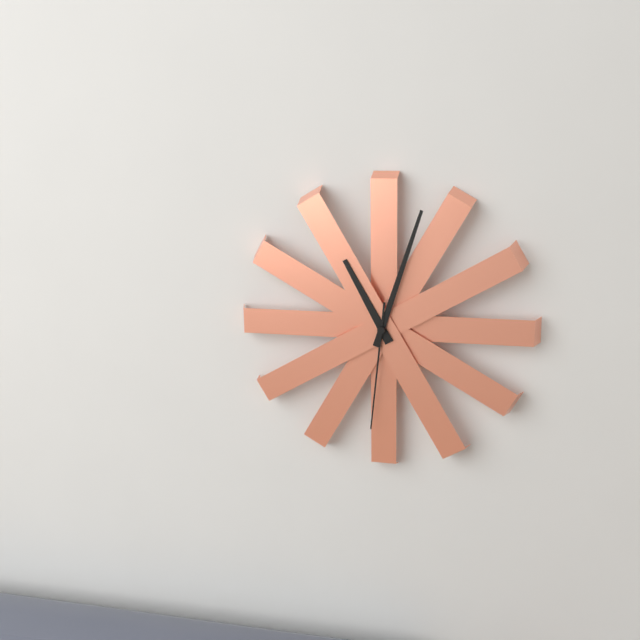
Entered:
11h03m31s
